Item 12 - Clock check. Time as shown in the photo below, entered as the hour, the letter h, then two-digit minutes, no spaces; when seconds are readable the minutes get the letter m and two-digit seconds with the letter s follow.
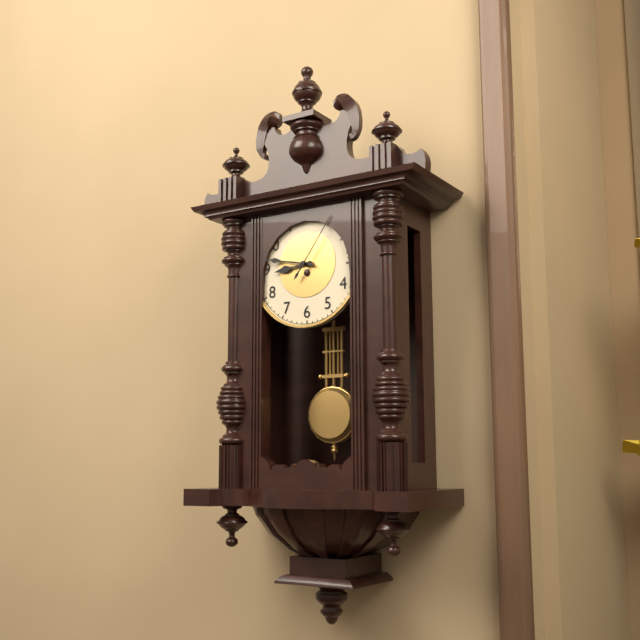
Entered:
8h47m06s
